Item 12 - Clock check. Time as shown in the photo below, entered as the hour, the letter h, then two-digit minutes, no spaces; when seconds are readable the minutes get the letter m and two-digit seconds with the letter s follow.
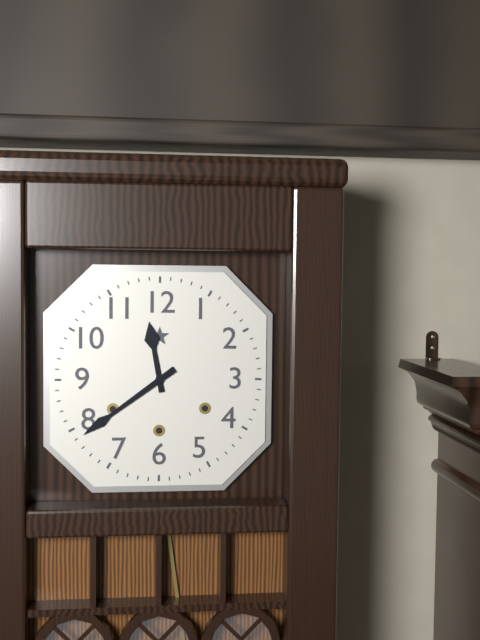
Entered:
11h39
